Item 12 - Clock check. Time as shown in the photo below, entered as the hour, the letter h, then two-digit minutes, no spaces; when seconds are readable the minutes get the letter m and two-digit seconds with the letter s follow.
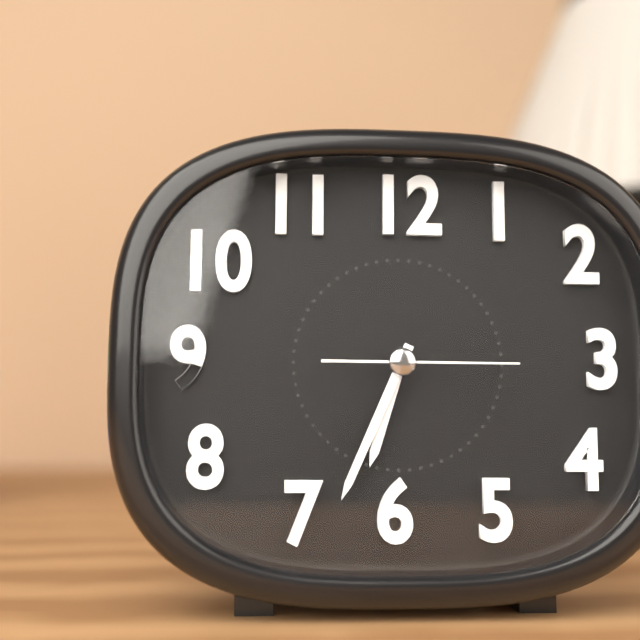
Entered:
6h34m15s
